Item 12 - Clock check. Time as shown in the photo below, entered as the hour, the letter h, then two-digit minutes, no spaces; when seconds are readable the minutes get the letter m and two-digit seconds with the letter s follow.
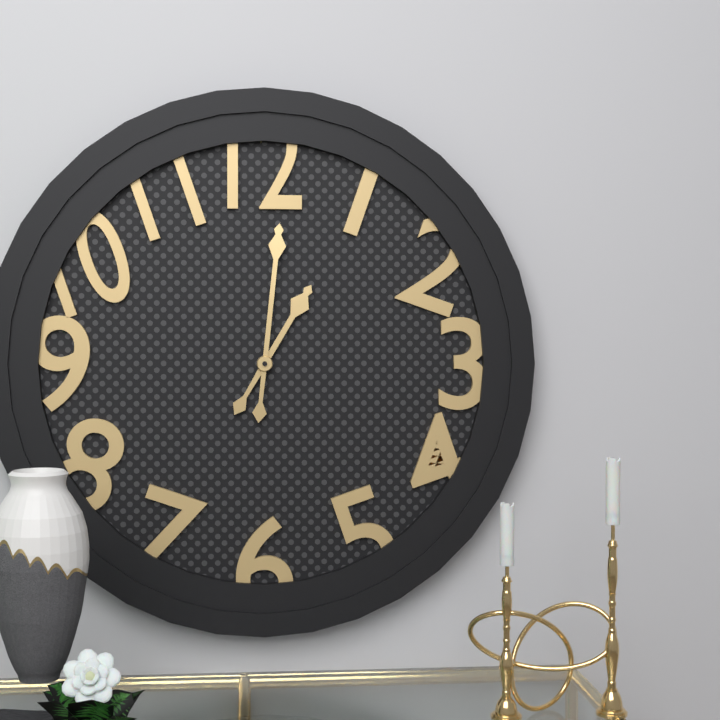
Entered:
1h01
